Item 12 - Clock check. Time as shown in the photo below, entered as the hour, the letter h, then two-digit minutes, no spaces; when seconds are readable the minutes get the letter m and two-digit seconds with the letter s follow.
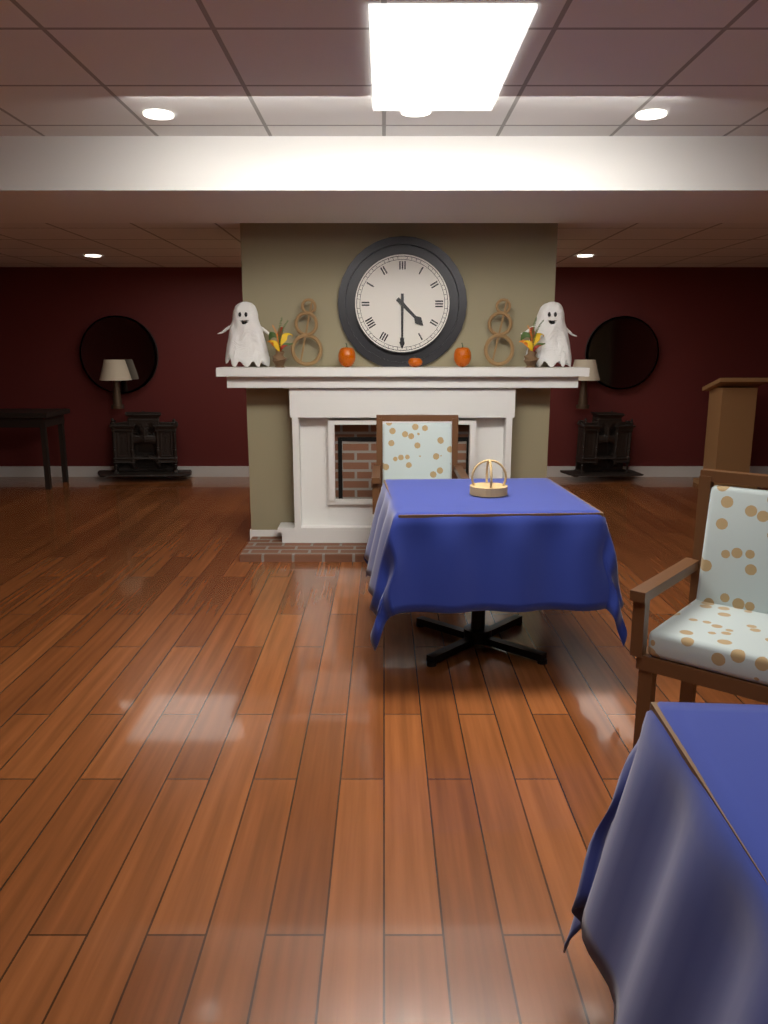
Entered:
4h30
